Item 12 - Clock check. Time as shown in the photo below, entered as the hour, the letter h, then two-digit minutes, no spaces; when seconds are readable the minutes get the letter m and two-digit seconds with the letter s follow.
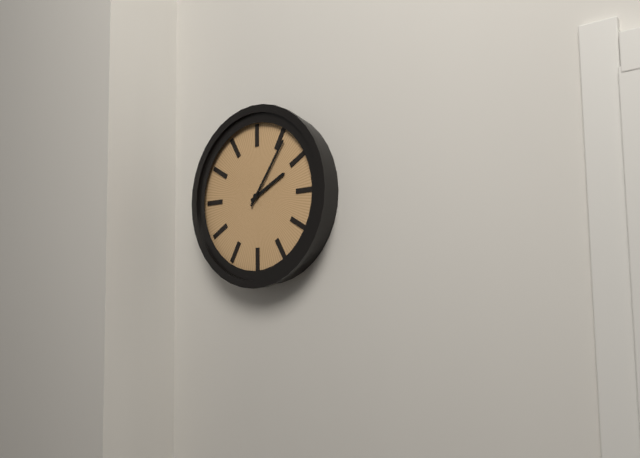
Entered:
2h06
